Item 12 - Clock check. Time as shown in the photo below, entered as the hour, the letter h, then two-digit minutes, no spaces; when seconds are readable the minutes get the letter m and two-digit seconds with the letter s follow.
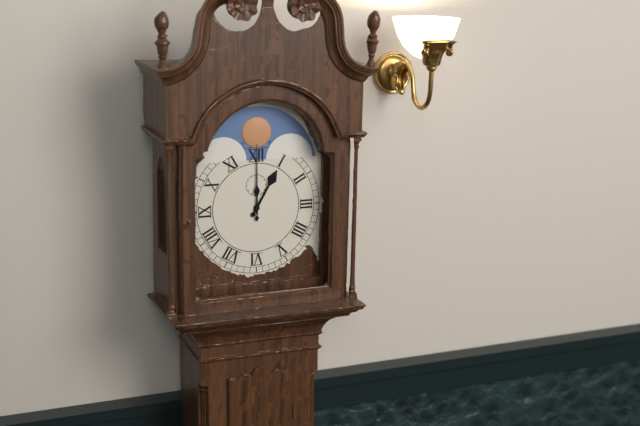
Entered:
1h00
